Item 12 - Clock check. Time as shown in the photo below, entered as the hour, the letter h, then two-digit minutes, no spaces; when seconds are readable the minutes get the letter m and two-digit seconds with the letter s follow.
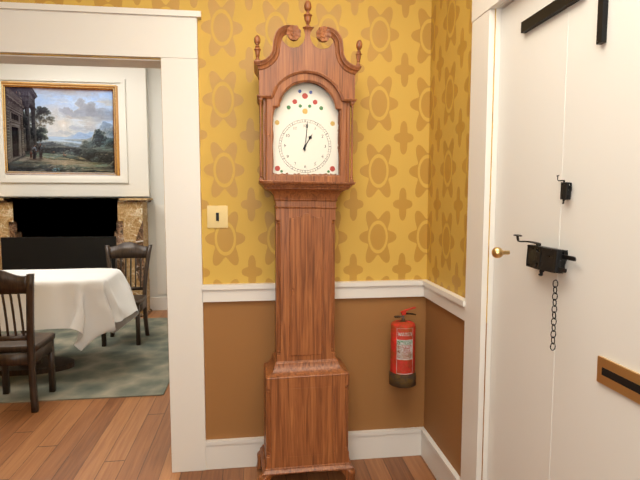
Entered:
1h01
